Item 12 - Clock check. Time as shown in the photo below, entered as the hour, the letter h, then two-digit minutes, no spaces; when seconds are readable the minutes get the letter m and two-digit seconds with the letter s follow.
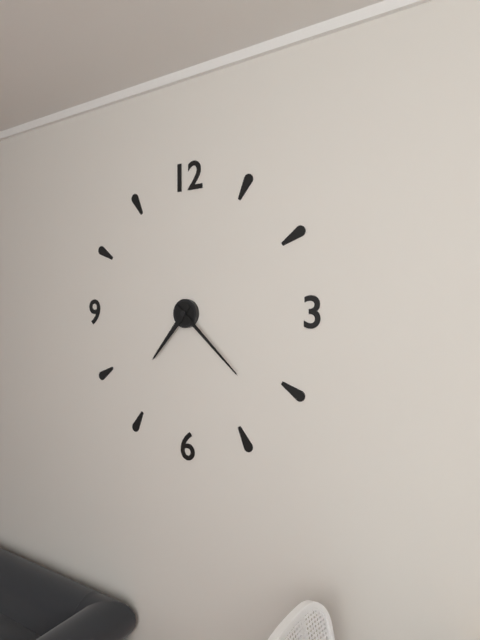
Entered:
7h22
